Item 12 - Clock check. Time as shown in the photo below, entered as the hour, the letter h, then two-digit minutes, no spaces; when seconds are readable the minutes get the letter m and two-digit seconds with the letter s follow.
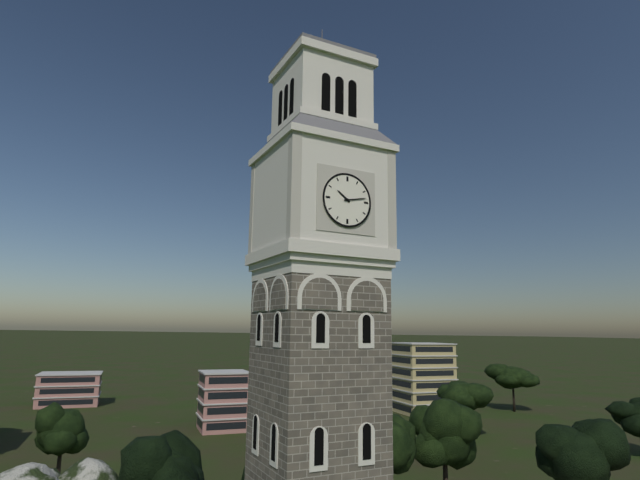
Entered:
10h13
